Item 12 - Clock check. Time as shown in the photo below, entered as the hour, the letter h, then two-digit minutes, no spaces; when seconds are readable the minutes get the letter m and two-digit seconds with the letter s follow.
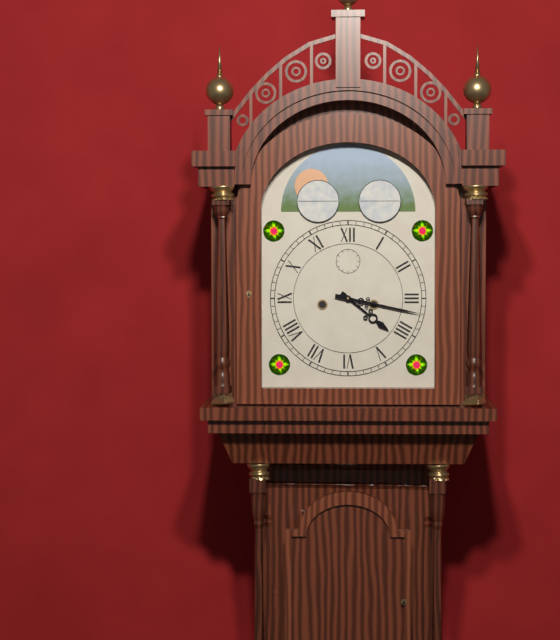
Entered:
4h17
